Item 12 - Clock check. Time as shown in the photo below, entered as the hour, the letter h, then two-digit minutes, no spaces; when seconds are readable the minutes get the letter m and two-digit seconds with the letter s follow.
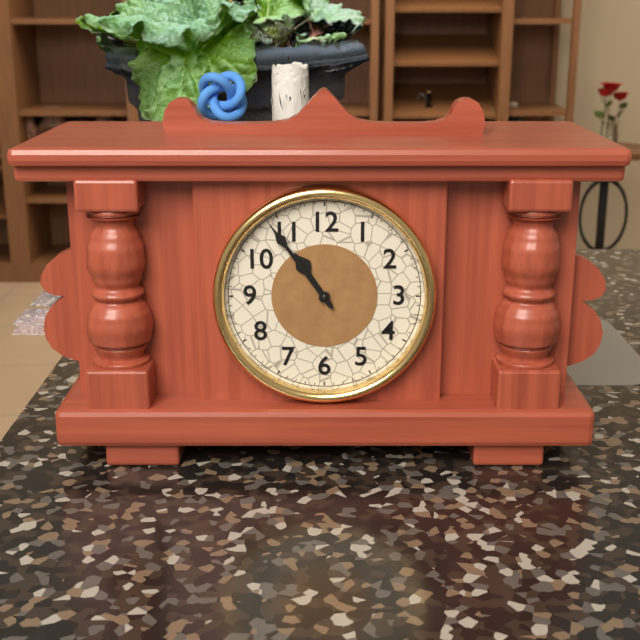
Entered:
10h54
